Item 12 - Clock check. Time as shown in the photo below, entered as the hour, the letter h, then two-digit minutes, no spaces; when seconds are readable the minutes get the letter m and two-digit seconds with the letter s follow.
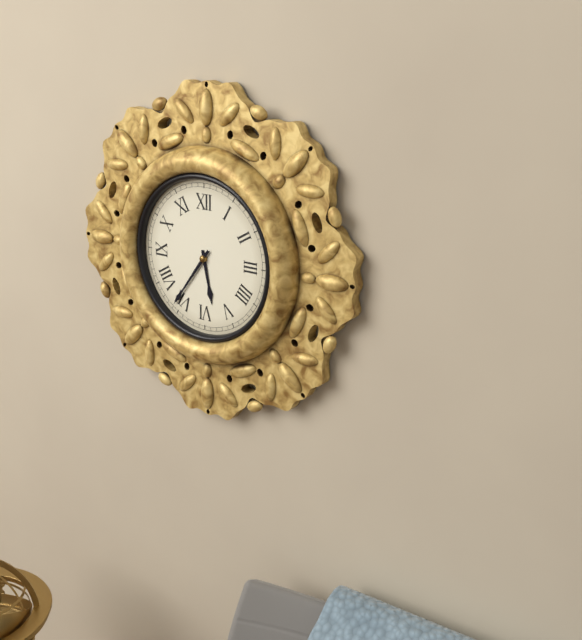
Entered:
5h36
